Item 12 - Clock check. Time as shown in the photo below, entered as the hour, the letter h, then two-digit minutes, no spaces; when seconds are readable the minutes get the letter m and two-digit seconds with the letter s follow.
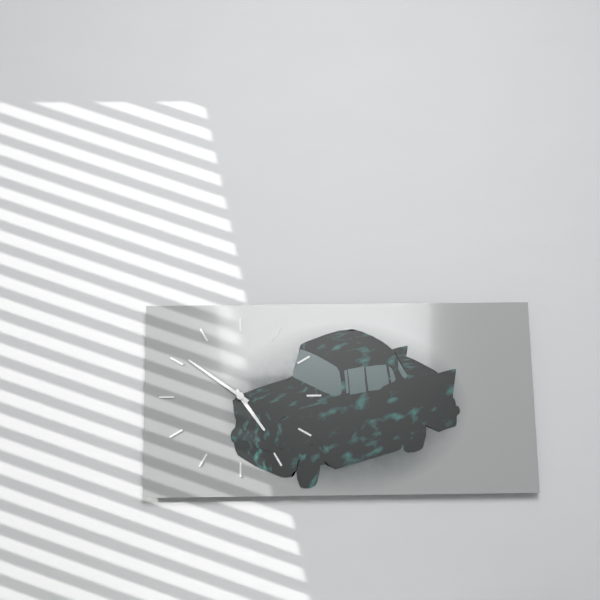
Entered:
4h51
